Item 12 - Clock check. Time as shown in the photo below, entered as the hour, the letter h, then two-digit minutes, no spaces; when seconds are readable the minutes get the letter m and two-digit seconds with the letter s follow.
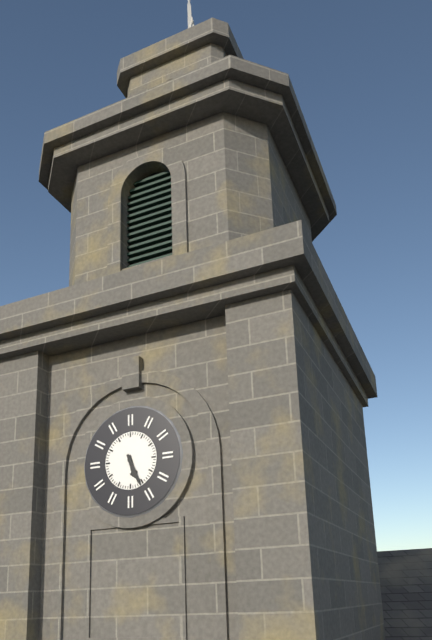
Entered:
5h26
